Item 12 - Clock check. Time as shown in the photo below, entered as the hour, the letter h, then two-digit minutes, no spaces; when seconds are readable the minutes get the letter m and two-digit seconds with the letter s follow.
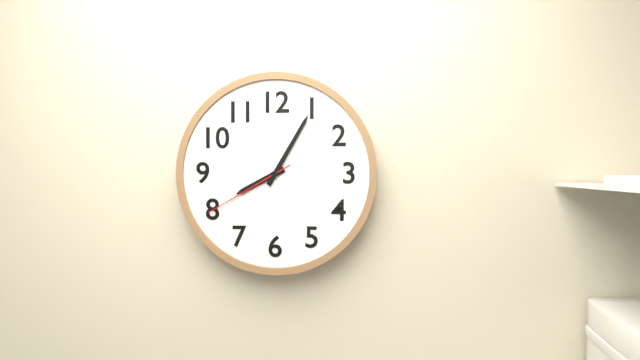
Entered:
8h05m40s
